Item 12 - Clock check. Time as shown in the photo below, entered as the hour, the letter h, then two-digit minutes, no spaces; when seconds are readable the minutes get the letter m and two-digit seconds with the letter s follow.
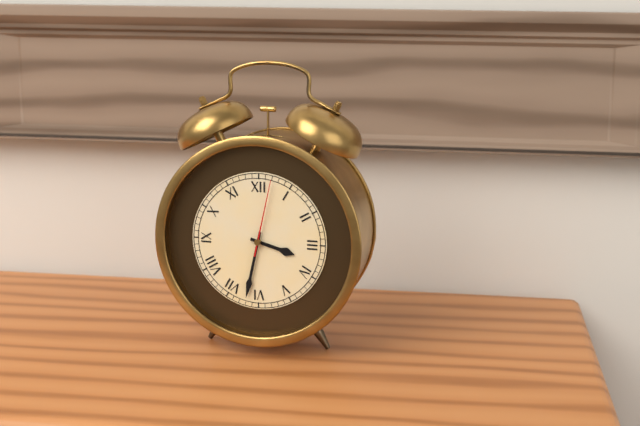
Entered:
3h32m02s
